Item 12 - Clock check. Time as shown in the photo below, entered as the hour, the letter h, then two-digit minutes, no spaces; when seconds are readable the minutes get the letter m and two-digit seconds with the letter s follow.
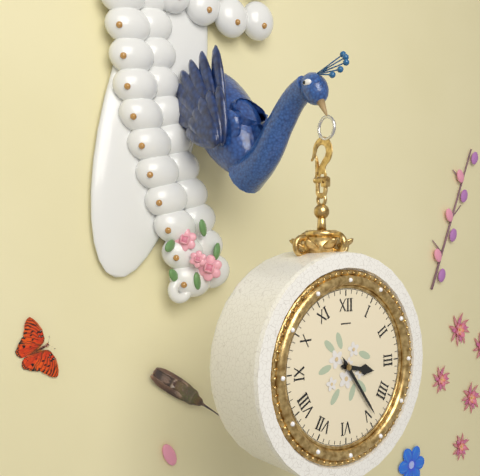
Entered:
3h24
